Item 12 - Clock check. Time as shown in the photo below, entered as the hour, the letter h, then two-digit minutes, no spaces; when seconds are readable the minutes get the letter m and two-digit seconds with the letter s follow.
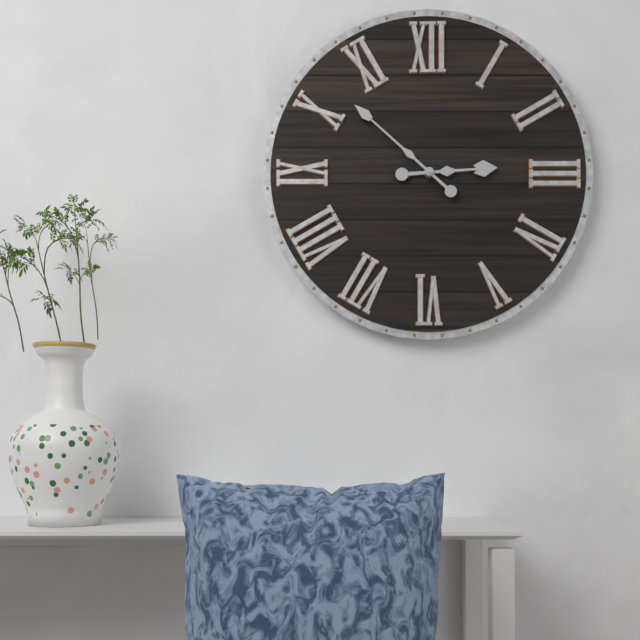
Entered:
2h52
